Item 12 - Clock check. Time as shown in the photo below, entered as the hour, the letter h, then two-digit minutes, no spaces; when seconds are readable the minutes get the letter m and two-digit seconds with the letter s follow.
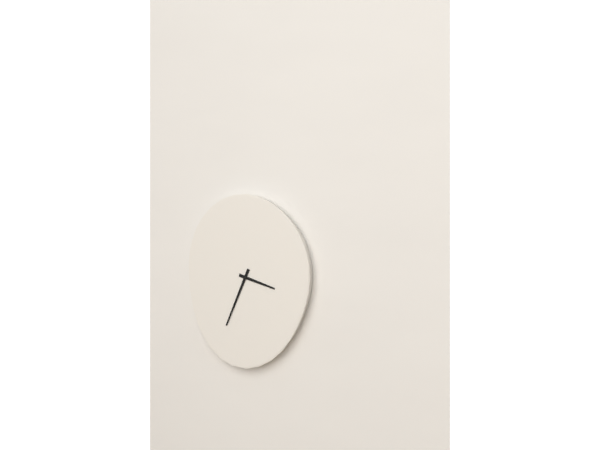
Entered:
3h34
